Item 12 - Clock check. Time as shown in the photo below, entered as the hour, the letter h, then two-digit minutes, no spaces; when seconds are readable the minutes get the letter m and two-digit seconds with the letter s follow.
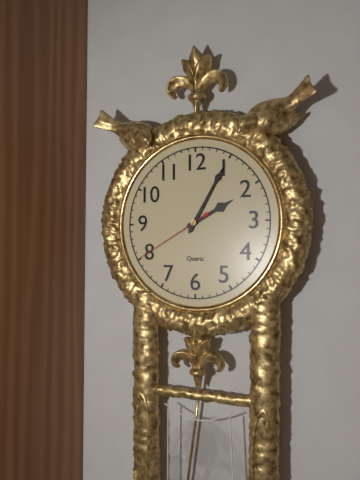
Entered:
2h05m40s
